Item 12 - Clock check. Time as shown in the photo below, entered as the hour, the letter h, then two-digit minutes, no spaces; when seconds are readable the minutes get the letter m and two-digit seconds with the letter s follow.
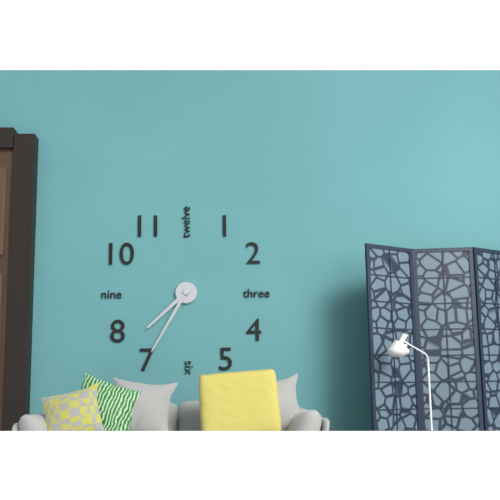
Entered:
7h35
